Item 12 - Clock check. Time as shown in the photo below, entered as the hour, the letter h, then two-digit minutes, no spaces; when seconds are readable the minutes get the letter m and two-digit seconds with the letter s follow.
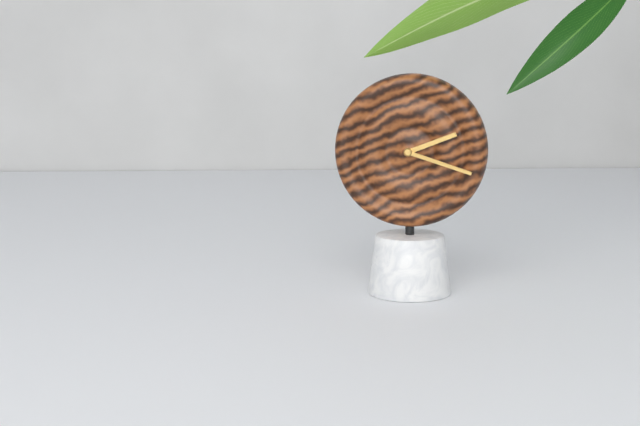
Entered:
2h18
